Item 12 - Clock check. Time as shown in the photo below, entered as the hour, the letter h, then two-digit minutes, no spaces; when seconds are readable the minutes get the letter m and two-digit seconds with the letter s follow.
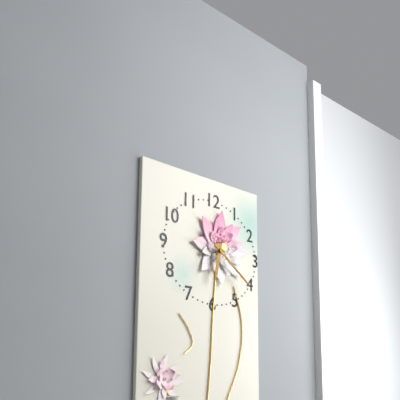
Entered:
6h21
